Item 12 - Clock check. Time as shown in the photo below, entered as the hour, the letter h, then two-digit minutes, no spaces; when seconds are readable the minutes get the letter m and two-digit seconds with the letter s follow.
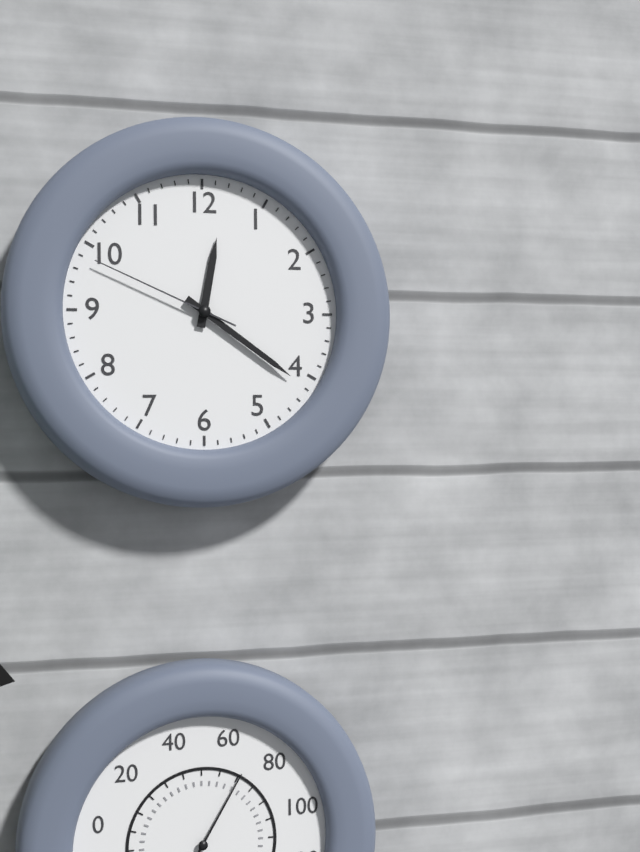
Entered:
12h21m49s
